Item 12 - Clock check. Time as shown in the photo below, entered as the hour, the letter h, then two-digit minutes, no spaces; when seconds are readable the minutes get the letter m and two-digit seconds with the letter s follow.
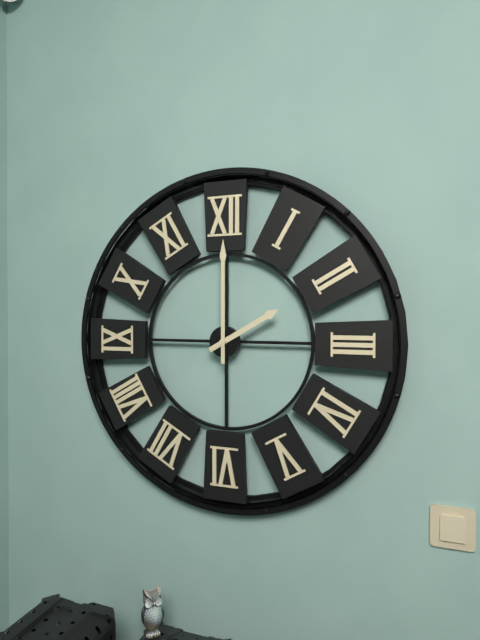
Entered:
2h00
